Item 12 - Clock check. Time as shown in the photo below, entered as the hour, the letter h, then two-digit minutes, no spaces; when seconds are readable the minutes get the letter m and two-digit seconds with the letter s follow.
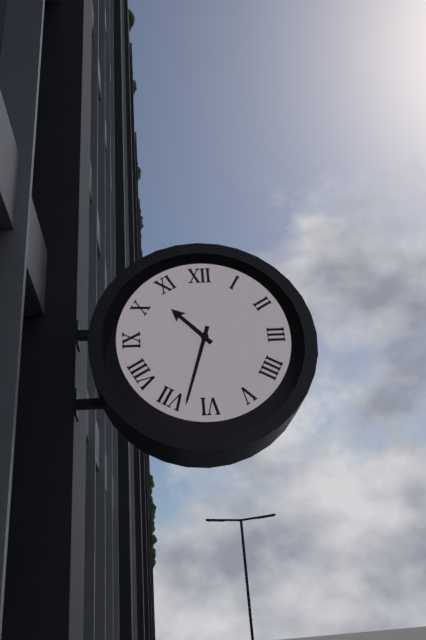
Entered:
10h33
